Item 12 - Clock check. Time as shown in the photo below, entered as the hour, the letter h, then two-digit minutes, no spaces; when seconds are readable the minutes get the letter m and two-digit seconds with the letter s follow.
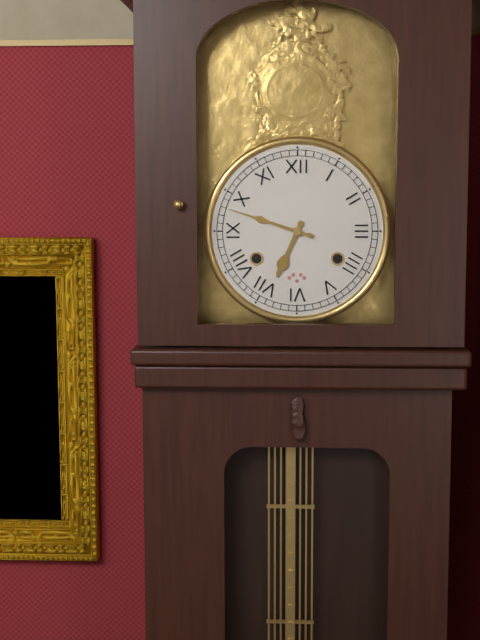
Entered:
6h48
